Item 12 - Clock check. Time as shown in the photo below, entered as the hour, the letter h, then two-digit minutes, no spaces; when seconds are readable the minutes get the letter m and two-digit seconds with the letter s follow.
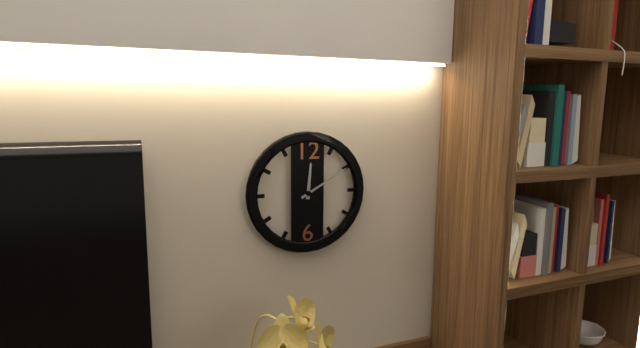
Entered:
12h10
